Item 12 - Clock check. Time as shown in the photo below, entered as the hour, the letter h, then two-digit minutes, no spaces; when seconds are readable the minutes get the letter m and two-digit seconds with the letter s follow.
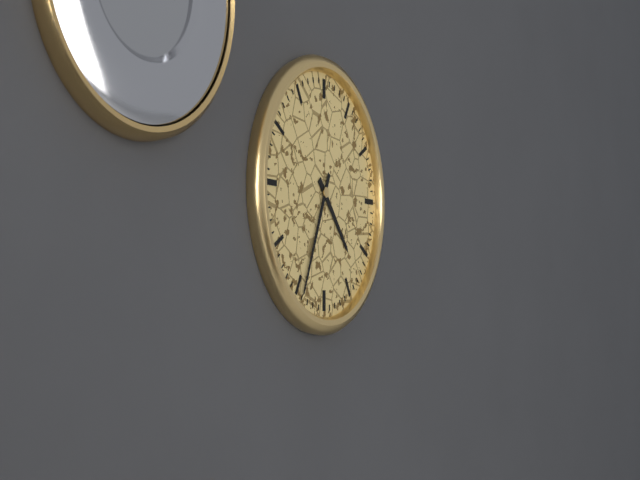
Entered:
4h34
